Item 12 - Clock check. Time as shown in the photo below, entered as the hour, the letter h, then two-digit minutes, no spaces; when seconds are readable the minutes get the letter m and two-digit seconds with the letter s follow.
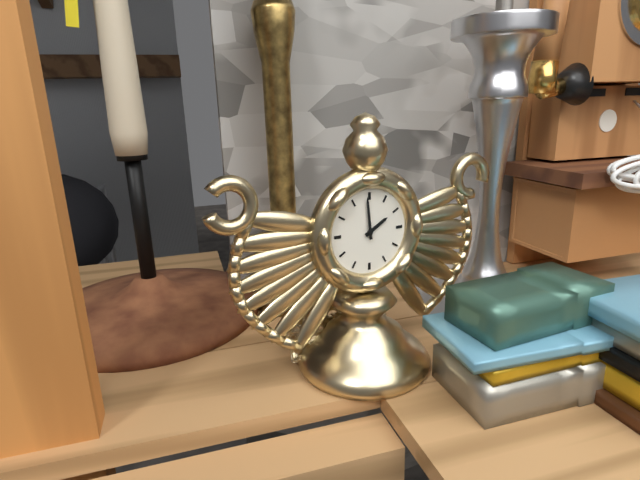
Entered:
1h59
